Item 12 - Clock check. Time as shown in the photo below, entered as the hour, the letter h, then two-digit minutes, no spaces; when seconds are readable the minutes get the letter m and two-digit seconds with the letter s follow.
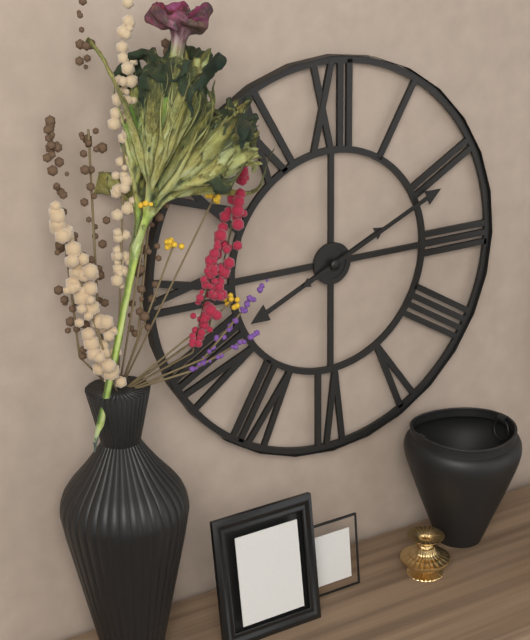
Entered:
8h11
